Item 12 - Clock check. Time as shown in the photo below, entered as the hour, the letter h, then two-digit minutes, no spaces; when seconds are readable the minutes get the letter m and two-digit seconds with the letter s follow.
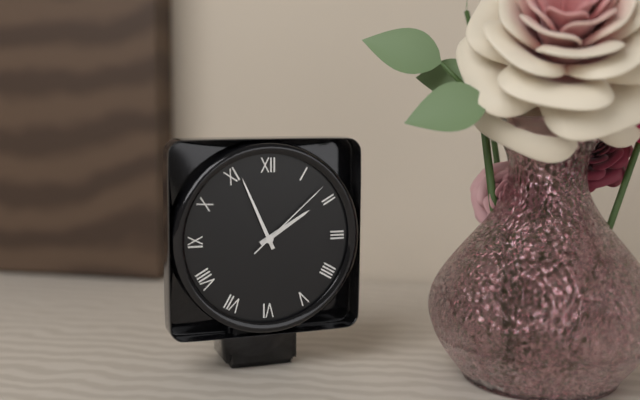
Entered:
1h56m08s
